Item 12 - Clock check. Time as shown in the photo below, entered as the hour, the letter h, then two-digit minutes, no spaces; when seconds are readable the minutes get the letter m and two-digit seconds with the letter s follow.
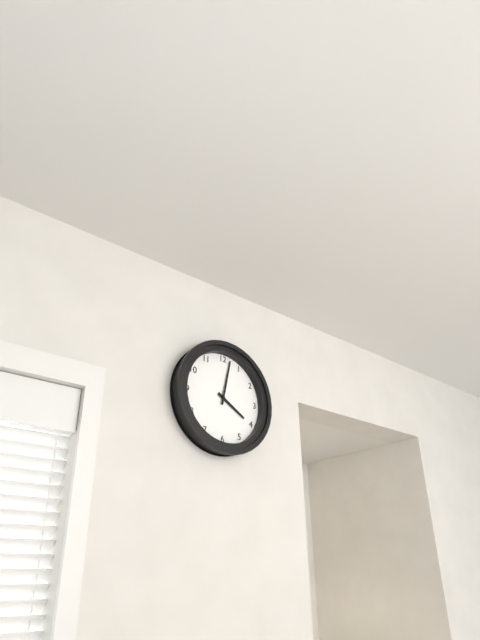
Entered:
4h02
